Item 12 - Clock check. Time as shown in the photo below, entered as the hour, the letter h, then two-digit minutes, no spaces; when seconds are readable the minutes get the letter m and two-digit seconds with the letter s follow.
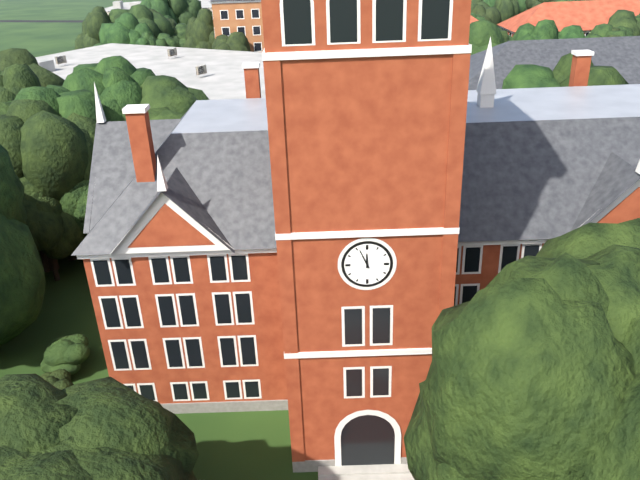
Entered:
11h56
